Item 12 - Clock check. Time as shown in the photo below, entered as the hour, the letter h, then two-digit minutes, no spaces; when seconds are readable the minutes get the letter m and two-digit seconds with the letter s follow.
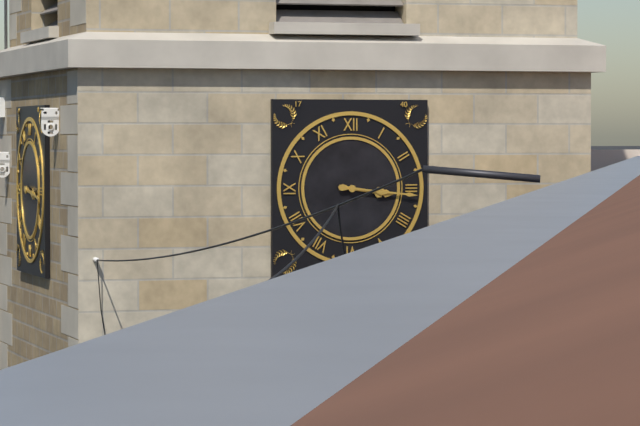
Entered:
3h16
